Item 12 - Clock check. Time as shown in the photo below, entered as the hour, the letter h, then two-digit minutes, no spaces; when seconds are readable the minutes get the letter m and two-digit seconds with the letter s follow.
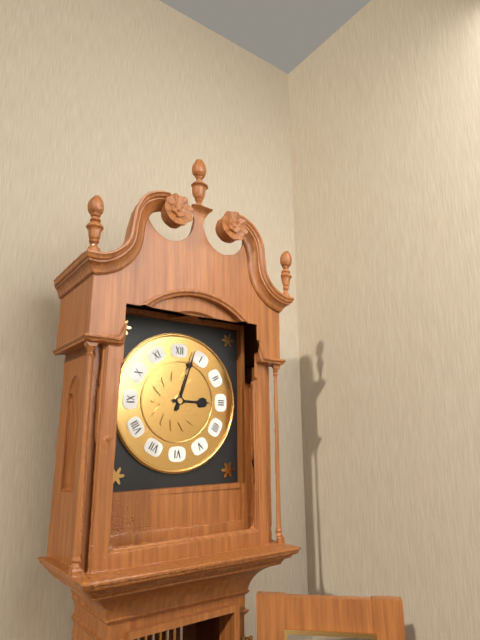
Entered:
3h03
